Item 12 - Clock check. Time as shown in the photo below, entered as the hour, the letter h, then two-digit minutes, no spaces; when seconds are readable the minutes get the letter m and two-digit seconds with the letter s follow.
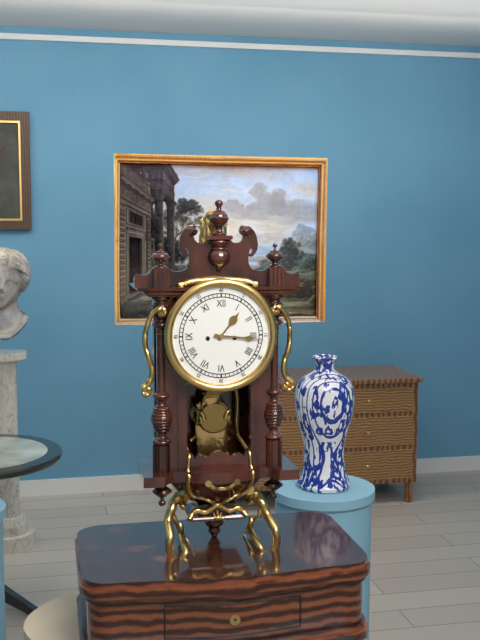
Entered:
1h16
